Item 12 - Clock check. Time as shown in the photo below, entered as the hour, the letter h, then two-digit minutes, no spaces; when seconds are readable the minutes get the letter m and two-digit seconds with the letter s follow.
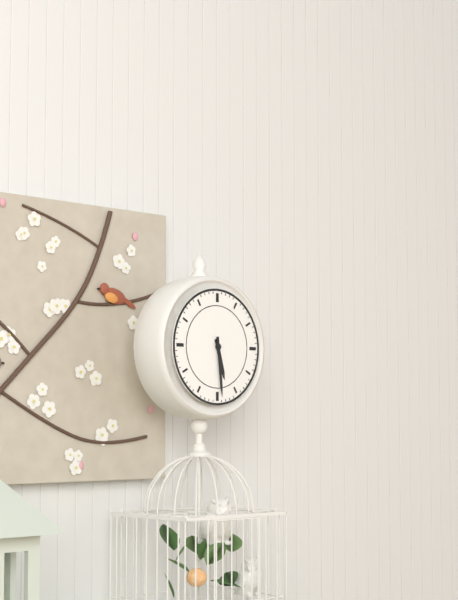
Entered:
5h29
